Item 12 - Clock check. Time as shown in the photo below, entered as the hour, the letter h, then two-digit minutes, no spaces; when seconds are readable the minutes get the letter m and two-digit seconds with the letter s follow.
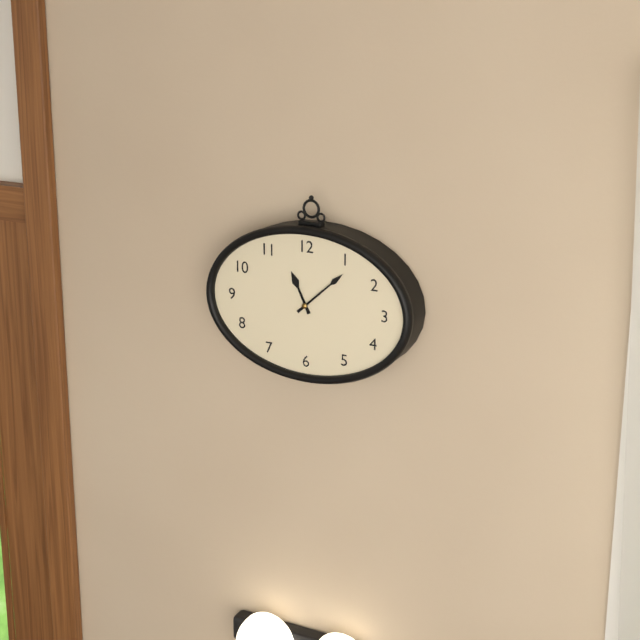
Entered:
11h08
